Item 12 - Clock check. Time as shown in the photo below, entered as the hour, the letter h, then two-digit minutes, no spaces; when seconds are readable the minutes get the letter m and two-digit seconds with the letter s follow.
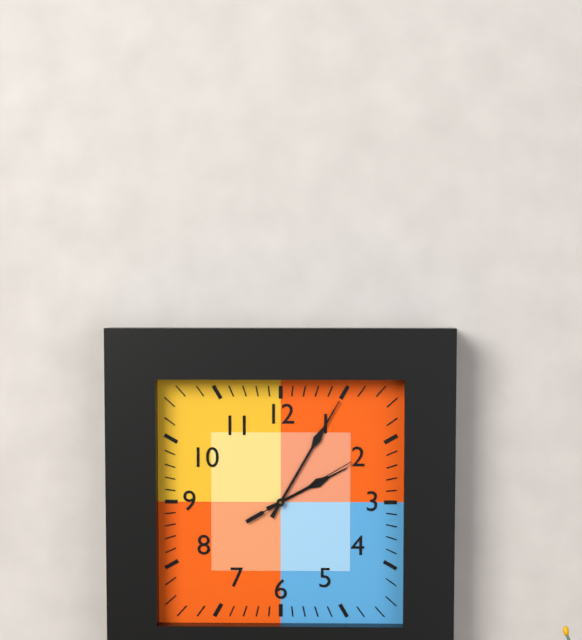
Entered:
2h05m10s
